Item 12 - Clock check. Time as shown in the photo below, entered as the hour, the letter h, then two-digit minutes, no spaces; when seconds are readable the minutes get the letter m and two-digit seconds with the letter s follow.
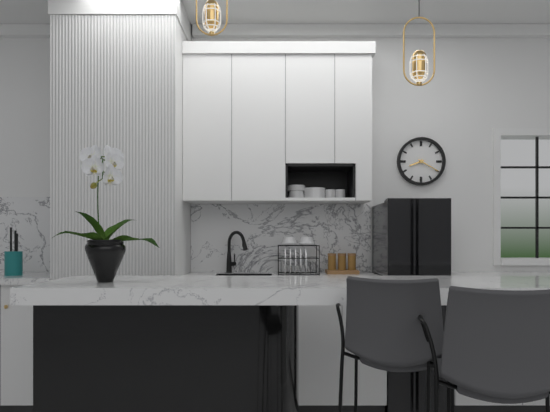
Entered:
8h20
